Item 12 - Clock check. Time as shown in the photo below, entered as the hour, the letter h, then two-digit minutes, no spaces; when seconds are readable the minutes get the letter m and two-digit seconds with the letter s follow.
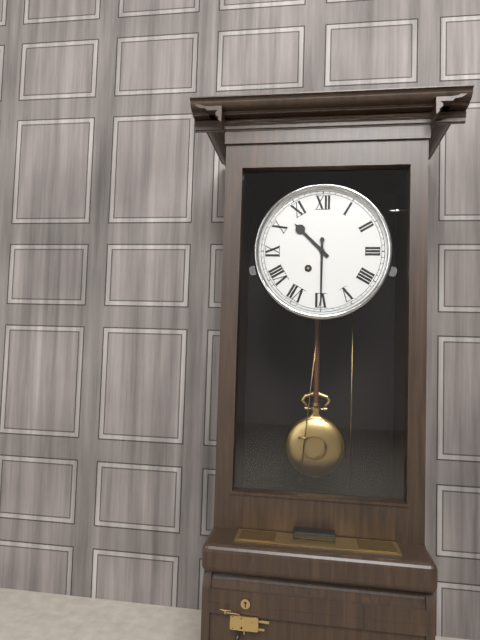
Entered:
10h30
